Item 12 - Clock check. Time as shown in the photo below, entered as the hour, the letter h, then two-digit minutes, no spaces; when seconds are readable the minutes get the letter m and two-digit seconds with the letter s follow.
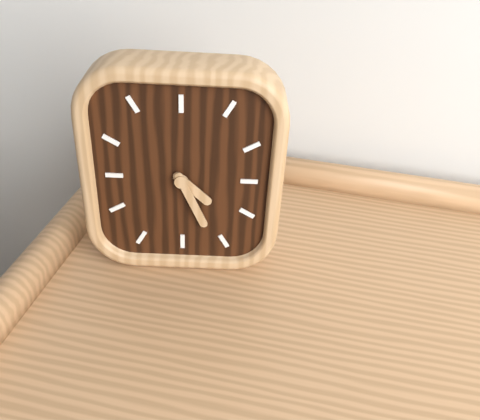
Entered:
4h26
